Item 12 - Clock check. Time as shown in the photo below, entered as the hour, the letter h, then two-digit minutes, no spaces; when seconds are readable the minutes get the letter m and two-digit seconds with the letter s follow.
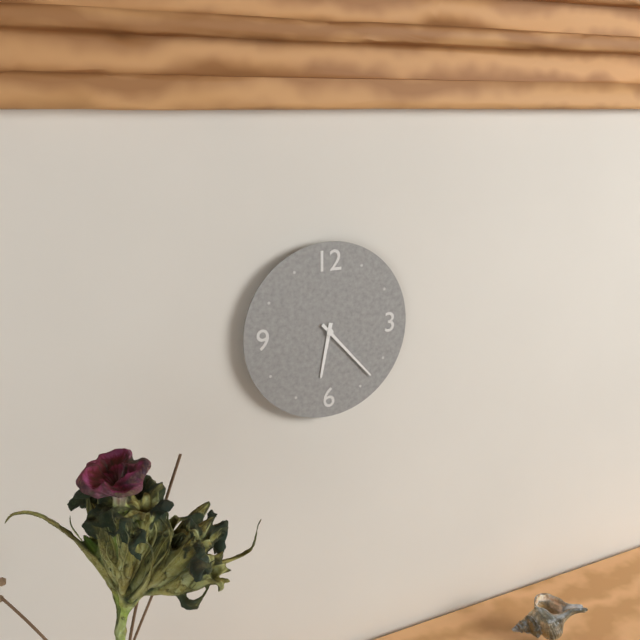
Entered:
6h23
